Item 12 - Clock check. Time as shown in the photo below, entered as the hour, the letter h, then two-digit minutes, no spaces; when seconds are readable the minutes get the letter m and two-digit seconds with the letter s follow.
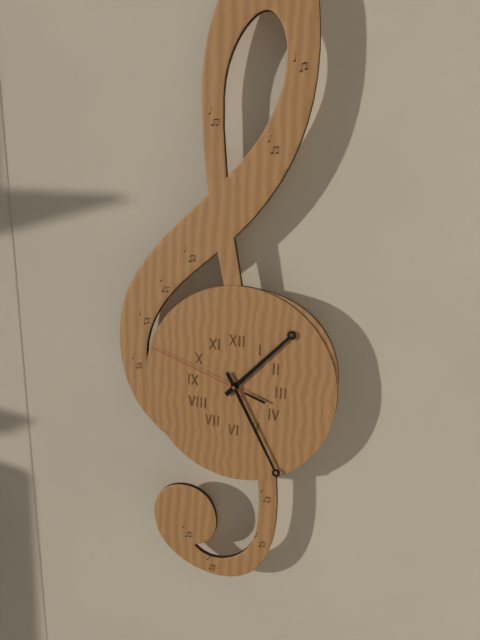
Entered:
1h25m48s
